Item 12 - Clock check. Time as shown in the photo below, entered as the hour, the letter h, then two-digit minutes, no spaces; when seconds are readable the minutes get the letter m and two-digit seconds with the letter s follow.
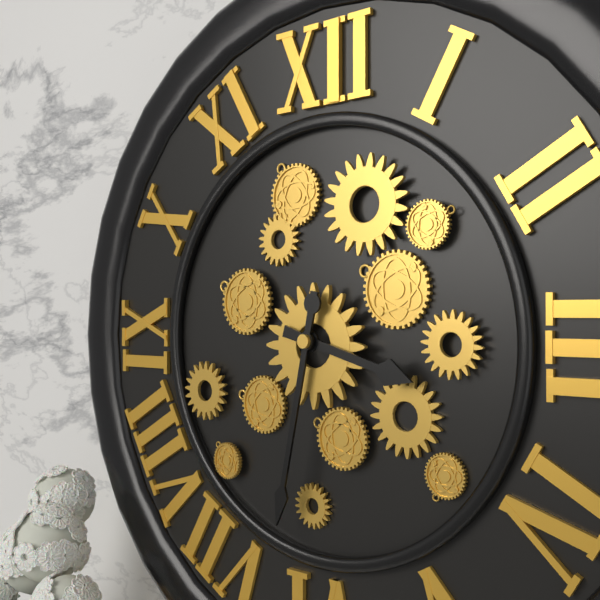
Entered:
3h32
